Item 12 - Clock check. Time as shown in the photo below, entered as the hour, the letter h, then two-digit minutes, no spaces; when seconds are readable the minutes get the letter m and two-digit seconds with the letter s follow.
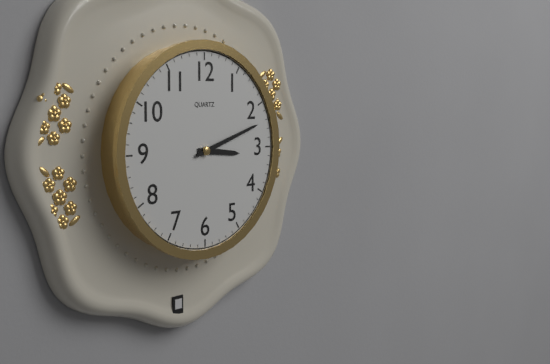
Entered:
3h12
